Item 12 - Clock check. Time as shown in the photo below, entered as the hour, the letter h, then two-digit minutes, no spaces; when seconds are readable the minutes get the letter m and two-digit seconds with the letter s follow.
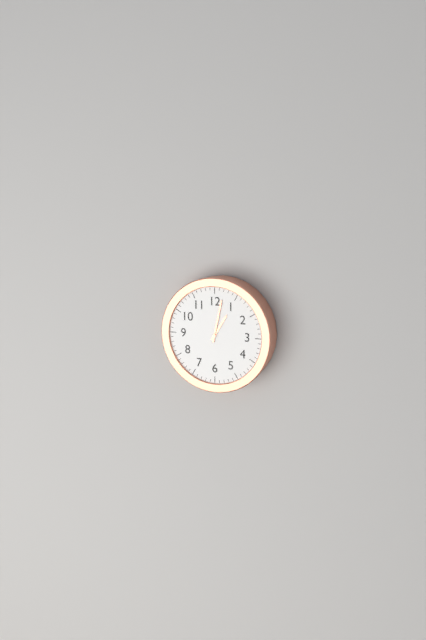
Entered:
1h02
